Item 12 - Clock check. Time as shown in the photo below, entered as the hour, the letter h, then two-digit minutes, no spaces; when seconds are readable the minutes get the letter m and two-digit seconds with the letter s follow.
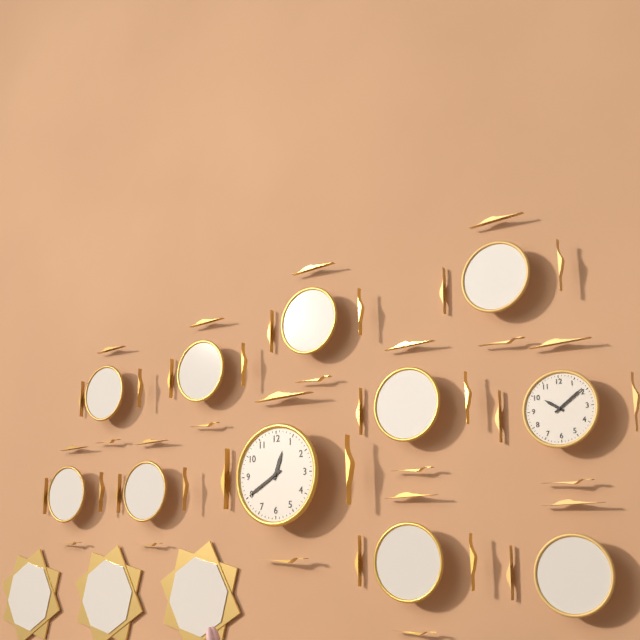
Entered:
12h40
